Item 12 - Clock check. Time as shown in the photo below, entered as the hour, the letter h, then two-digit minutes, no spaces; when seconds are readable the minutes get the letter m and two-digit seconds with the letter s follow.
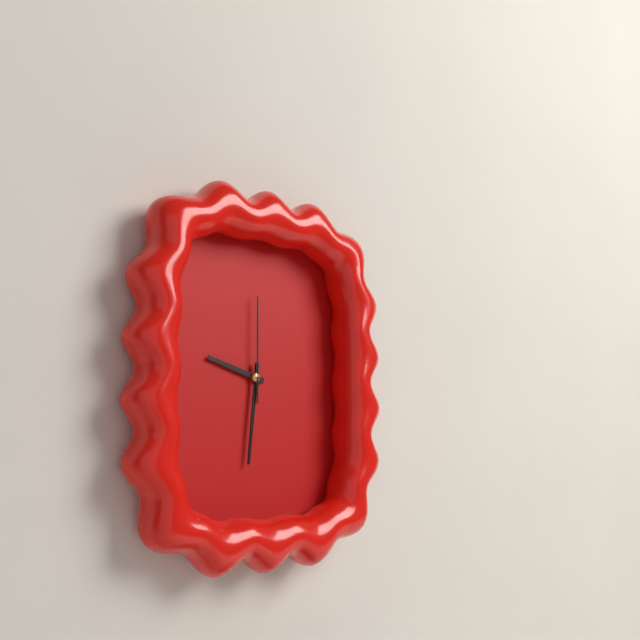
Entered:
9h31m00s
